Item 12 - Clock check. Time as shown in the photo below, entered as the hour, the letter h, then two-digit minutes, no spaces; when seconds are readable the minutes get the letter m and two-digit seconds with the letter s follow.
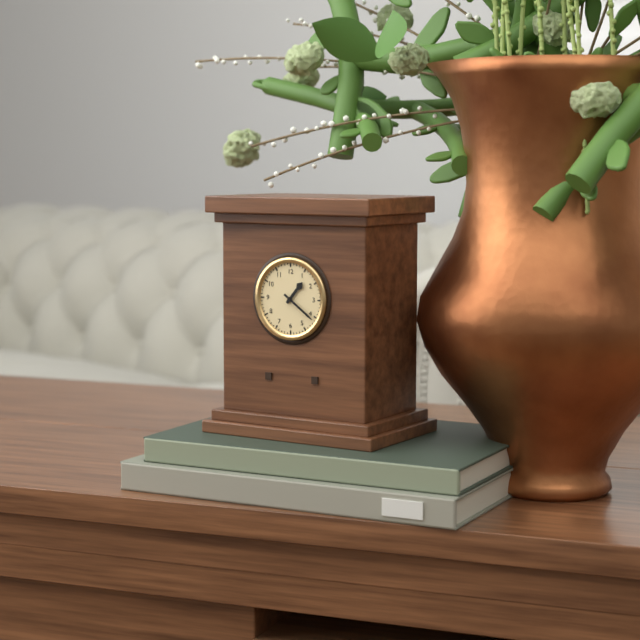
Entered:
1h21
